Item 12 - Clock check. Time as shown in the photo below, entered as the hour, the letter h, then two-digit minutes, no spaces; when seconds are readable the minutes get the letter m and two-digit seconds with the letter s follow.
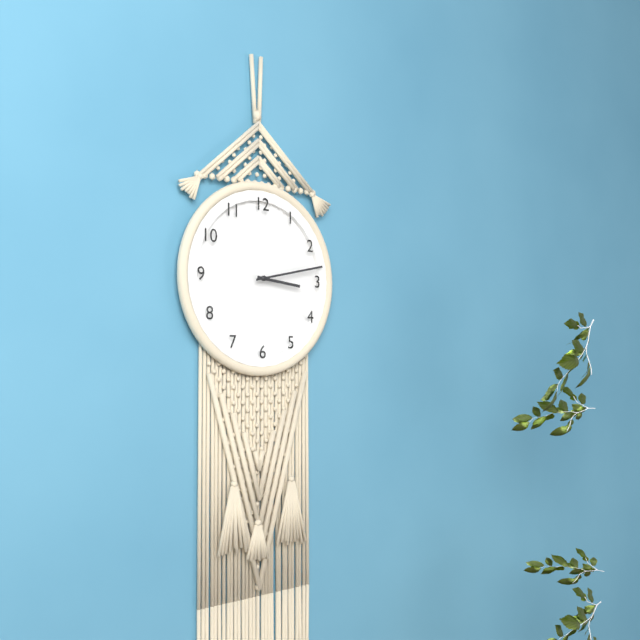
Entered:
3h13
